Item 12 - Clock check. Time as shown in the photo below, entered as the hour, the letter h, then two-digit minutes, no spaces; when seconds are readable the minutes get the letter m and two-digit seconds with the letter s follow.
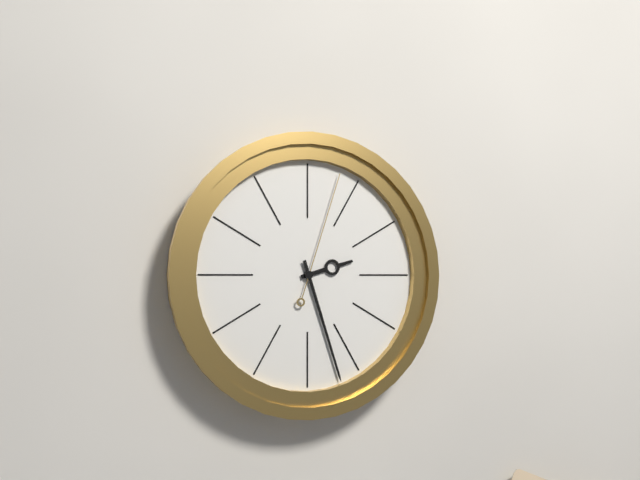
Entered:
2h27m03s
